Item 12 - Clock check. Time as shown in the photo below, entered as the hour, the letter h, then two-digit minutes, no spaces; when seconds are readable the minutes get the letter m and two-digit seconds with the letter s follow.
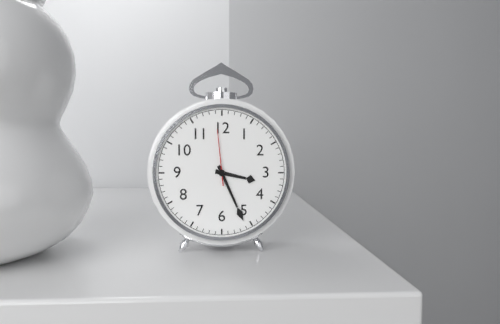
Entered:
3h26m59s
